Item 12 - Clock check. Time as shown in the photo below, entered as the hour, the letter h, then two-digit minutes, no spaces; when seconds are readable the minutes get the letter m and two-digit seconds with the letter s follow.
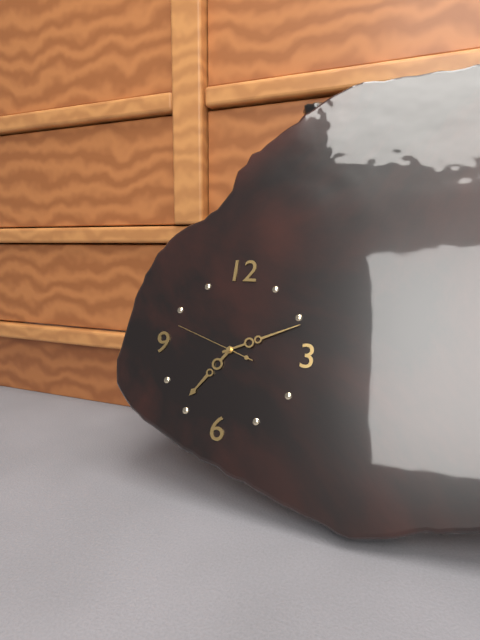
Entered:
7h11m48s
